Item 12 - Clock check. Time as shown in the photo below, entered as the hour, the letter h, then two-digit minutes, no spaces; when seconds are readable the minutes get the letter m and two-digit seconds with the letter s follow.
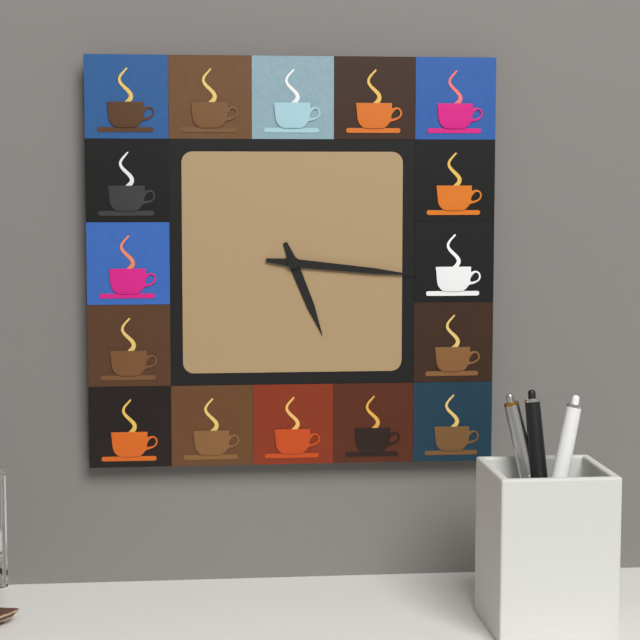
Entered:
5h16
